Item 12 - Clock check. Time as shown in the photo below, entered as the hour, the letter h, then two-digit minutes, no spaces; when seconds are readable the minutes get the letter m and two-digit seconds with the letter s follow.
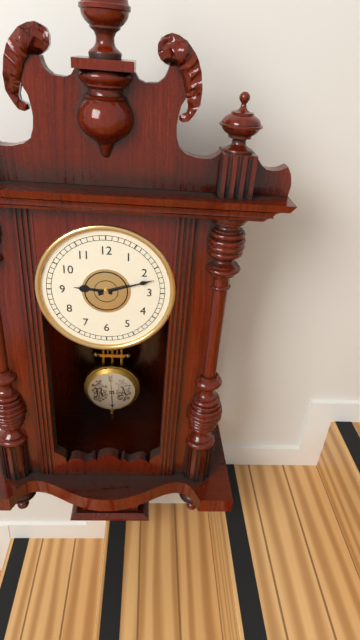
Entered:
9h12
